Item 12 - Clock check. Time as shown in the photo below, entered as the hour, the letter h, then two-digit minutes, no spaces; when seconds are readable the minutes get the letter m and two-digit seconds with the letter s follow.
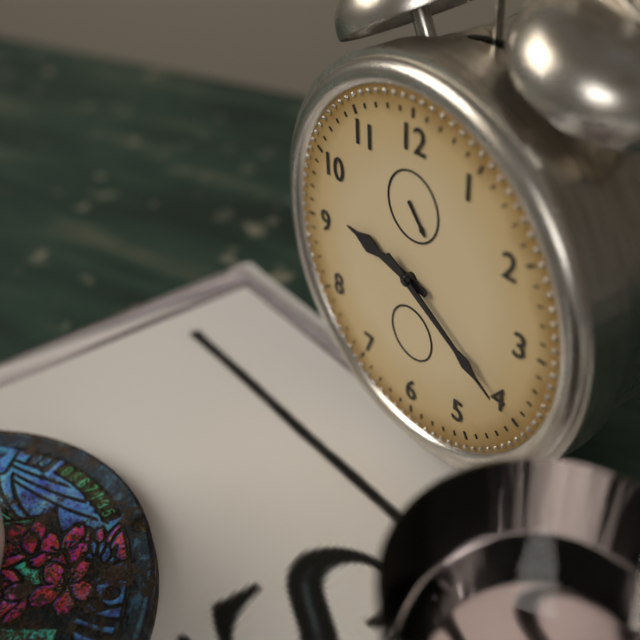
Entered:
9h20
